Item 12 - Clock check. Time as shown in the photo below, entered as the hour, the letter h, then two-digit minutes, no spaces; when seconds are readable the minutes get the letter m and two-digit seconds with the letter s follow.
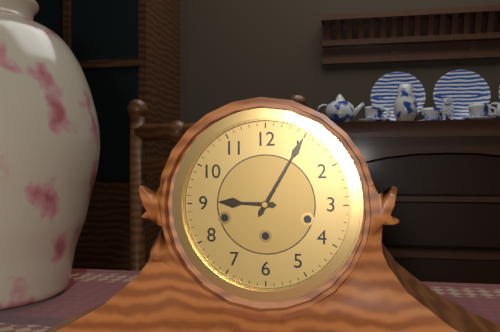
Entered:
9h05
